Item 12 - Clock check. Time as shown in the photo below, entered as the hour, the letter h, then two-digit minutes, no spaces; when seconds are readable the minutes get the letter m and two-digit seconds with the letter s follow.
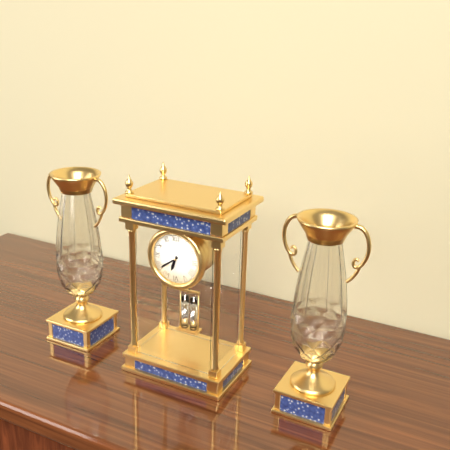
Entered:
6h39
